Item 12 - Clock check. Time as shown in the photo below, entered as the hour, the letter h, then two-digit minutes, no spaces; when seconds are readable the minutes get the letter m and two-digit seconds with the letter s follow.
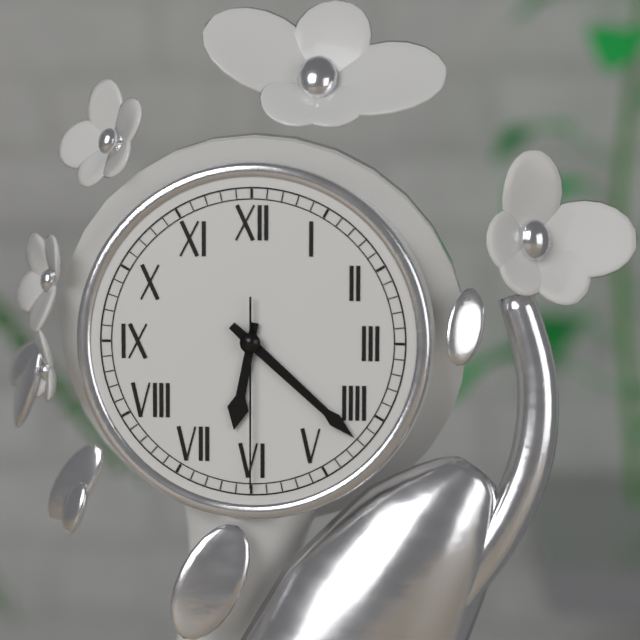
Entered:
6h22m30s
